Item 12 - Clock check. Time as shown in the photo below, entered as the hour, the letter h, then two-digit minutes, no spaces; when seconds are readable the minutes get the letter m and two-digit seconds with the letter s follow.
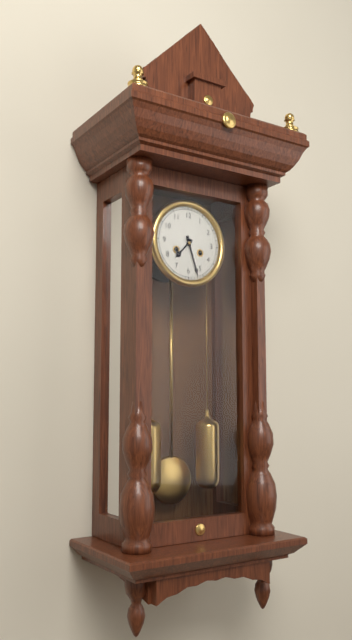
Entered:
7h27
